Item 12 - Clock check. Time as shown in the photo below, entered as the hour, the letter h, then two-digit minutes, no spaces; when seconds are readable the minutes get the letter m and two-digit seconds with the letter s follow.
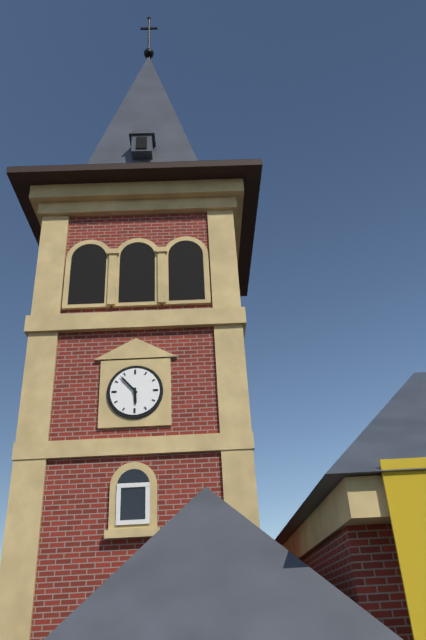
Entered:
5h53
